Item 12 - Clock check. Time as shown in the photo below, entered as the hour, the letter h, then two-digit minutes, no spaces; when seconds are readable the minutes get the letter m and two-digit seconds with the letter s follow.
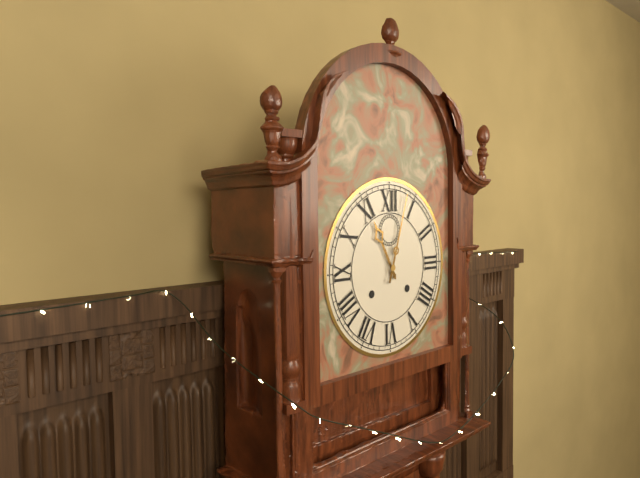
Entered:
11h03
